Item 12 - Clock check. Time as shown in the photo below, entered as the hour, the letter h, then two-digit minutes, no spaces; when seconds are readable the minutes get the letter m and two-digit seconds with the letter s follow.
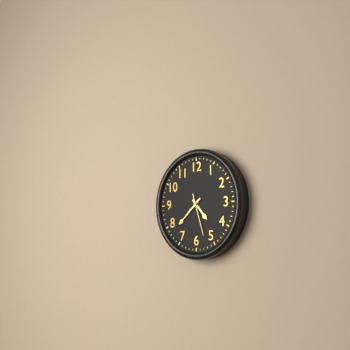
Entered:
4h38
